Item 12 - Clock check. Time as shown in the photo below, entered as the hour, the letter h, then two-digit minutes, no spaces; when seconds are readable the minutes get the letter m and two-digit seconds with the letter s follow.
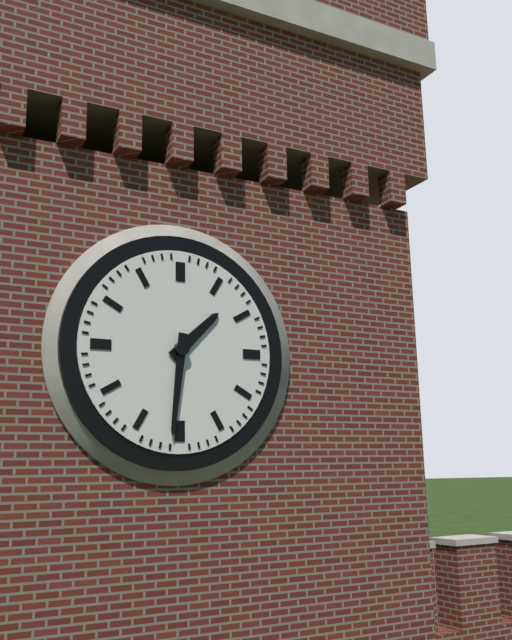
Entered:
1h31
